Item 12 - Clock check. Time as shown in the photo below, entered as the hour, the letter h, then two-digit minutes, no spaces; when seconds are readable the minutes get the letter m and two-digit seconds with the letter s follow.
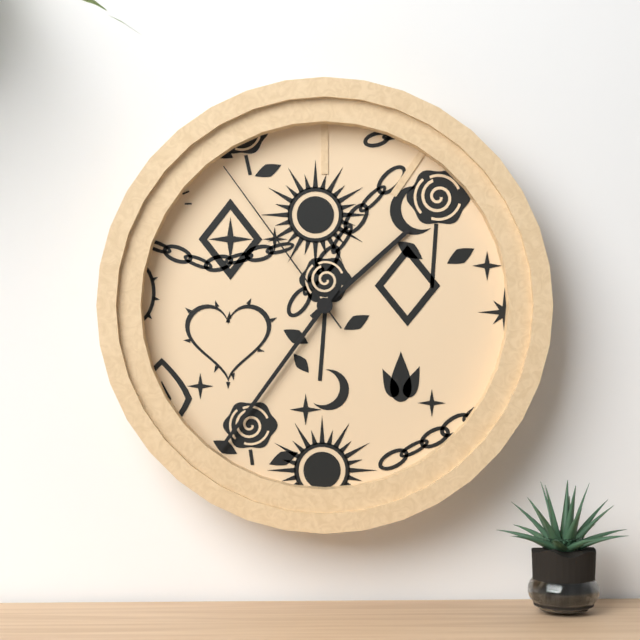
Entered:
1h36m54s
